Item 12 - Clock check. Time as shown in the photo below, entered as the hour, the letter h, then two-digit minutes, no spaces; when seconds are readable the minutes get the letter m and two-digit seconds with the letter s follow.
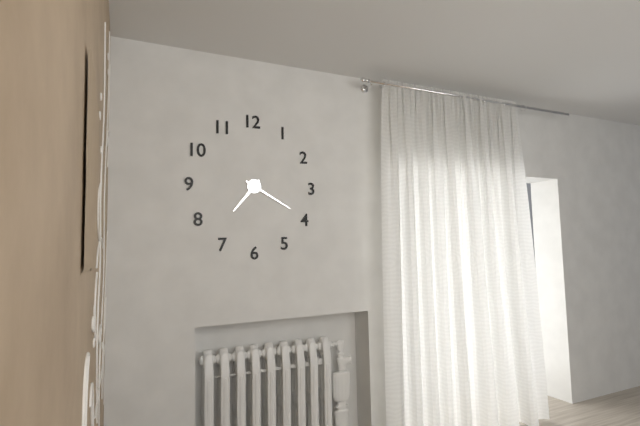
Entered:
7h20
